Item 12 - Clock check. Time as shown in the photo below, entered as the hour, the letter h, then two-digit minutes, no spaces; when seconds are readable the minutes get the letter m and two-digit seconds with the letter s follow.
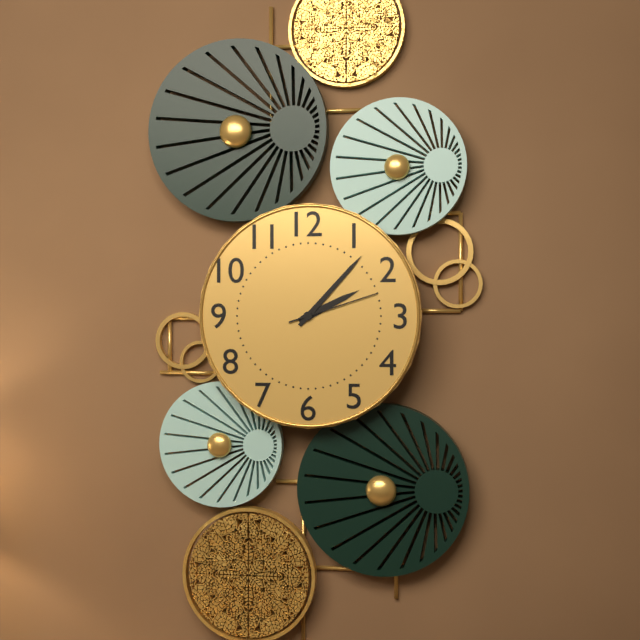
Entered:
2h07m12s
